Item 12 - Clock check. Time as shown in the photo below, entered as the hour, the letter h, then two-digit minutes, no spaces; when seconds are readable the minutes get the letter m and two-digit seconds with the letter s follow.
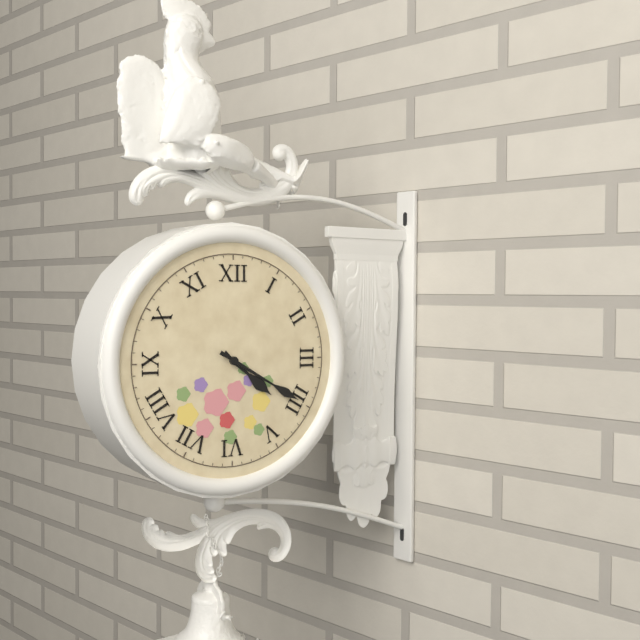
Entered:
4h20
